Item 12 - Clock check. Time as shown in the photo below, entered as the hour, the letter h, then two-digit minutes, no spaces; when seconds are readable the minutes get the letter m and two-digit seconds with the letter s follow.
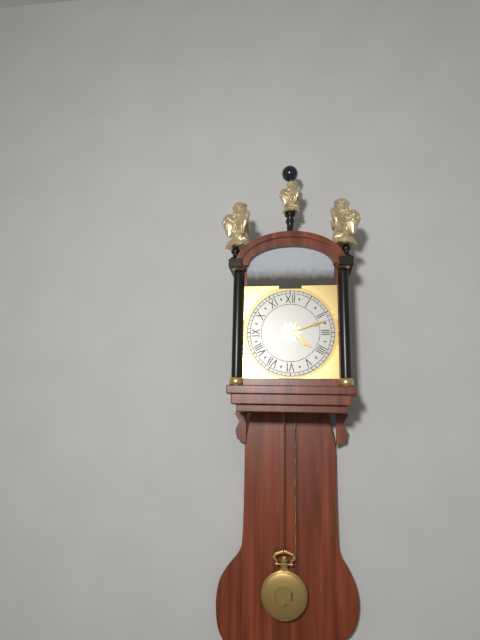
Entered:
4h12
